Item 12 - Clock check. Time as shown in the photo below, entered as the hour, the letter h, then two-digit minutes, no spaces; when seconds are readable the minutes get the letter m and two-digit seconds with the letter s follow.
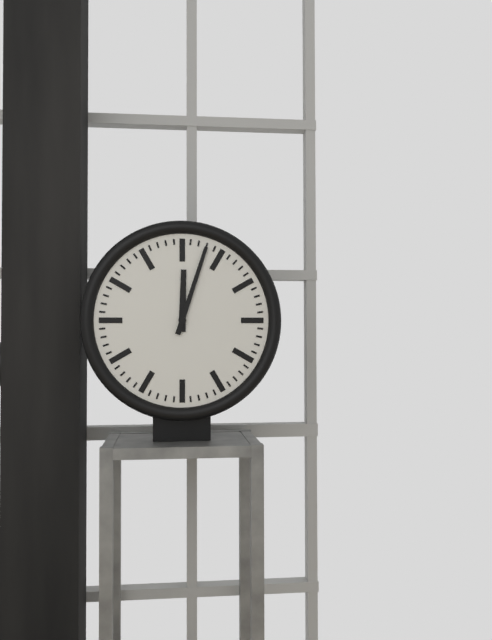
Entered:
12h03
